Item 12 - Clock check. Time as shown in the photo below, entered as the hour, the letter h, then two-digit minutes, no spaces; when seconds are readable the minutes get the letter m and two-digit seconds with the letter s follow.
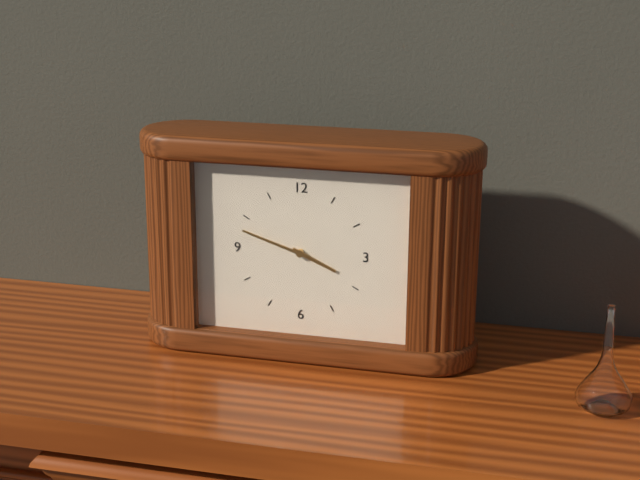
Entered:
3h48
